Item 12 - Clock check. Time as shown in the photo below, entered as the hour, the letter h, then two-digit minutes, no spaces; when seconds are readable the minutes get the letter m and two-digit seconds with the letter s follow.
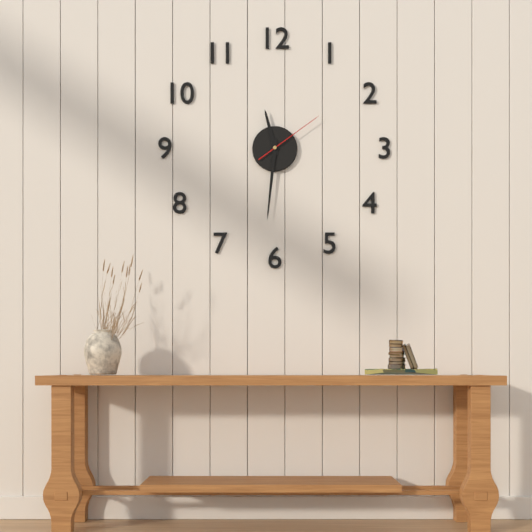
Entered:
11h31m09s
